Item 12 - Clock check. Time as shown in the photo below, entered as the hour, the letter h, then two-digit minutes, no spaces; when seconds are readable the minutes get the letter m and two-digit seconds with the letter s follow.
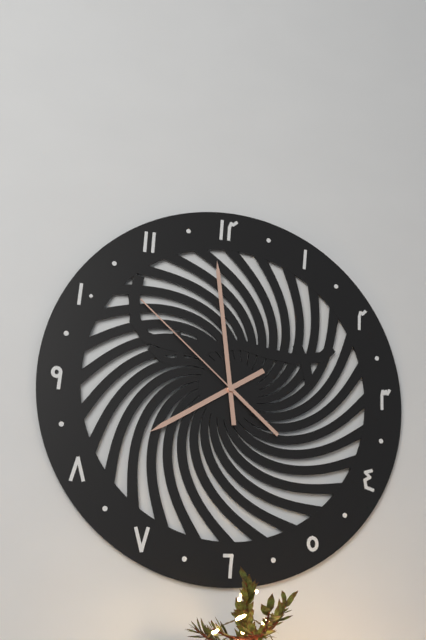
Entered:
7h59m52s
